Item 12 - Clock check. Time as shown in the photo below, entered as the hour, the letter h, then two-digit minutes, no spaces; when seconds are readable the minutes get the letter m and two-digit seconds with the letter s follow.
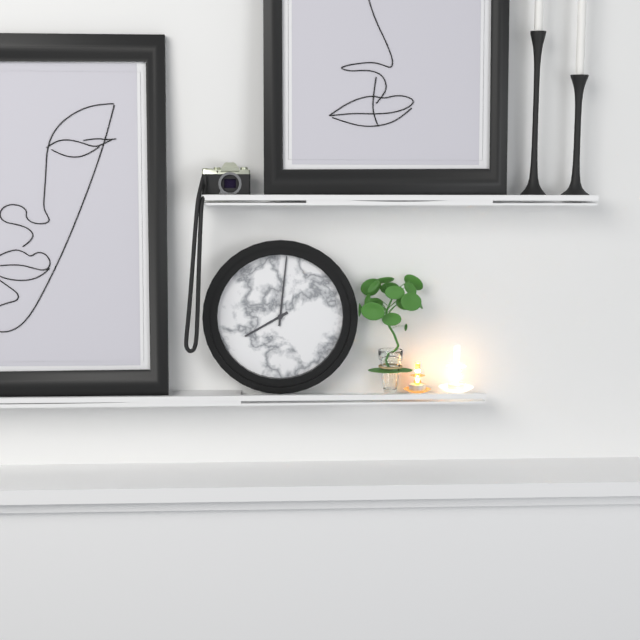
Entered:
8h01
